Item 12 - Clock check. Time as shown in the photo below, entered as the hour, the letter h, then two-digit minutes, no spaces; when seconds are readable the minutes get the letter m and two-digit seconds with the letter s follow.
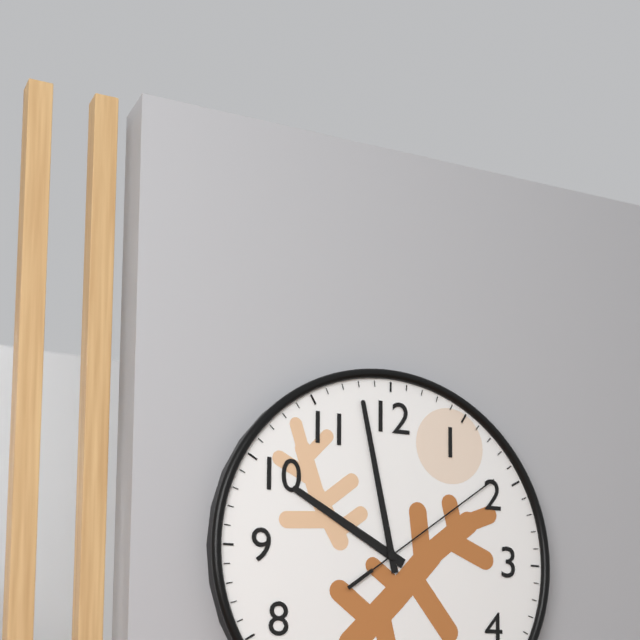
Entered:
9h58m09s
